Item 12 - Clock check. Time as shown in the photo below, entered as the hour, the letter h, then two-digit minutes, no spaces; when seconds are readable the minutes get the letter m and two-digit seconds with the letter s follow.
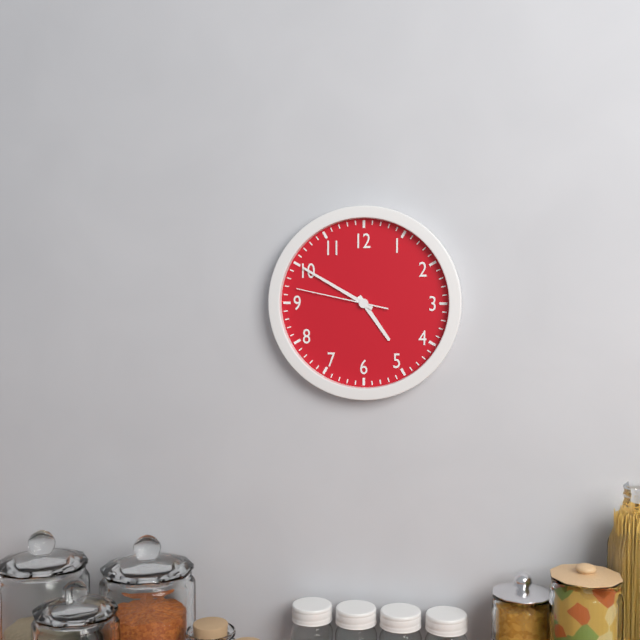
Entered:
4h50m47s
